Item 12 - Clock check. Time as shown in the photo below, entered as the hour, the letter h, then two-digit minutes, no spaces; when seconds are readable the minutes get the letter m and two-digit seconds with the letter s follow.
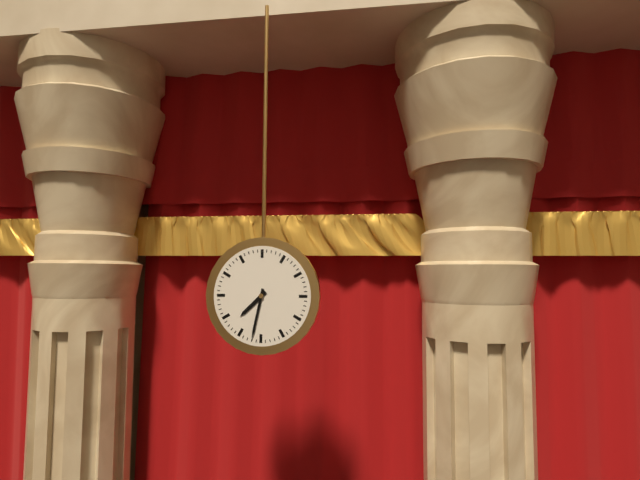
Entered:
7h32
